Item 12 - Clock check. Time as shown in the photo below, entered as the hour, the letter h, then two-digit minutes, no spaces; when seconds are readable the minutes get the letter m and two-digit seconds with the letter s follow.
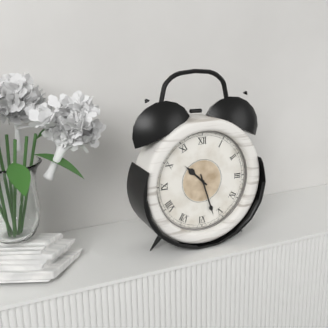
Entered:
10h27
